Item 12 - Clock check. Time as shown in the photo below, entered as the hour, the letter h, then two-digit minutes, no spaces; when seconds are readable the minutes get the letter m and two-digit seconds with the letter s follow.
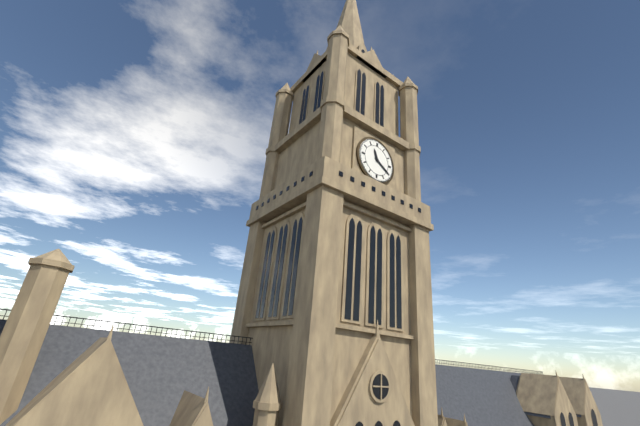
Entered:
11h20
